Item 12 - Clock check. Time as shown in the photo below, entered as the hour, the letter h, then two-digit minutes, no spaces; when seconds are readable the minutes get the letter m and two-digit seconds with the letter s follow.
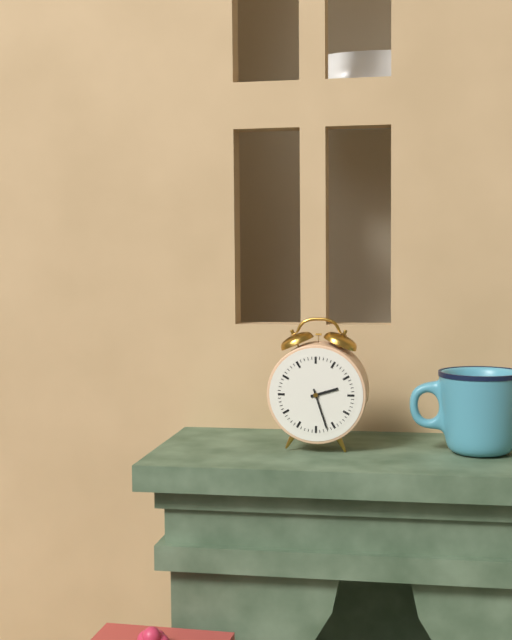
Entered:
2h27
